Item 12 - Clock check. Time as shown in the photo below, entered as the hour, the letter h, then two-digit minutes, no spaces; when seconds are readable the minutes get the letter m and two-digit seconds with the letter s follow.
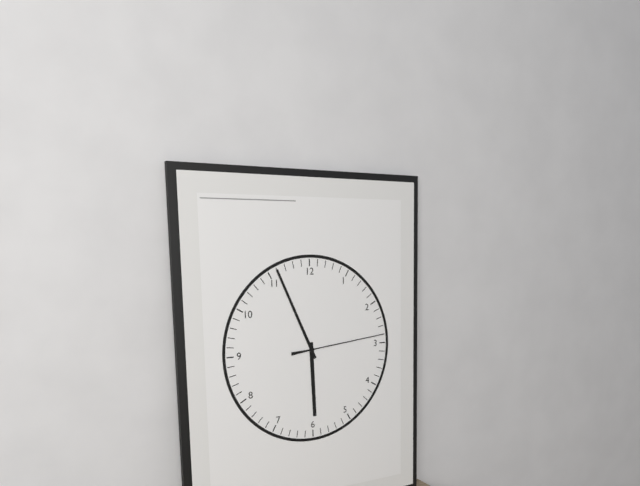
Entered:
5h56m14s
